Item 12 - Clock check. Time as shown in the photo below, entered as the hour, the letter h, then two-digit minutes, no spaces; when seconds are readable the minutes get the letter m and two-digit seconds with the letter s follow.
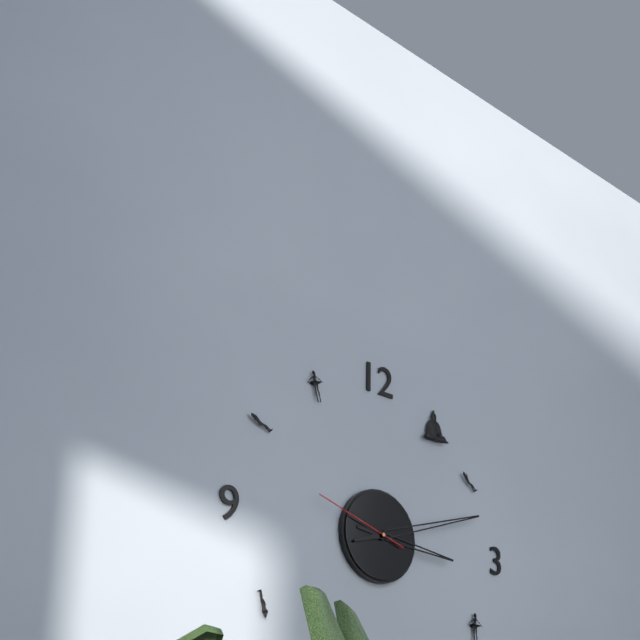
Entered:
3h12m48s
